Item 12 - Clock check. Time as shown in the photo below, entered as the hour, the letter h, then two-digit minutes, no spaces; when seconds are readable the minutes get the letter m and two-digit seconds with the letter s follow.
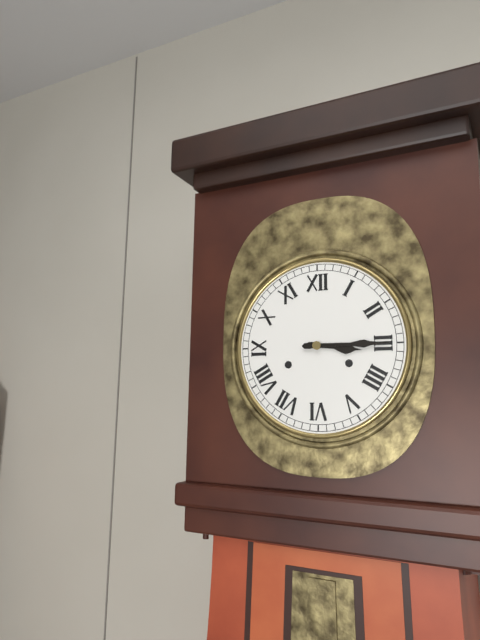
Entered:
3h15
